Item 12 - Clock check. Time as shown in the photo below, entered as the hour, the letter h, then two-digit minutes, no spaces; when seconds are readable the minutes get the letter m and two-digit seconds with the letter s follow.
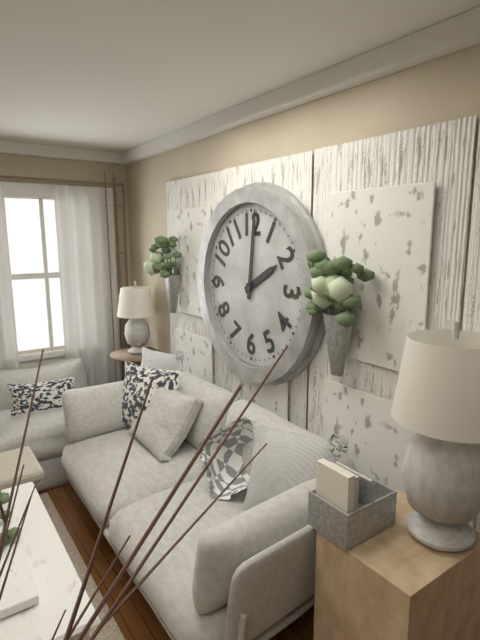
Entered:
2h01
